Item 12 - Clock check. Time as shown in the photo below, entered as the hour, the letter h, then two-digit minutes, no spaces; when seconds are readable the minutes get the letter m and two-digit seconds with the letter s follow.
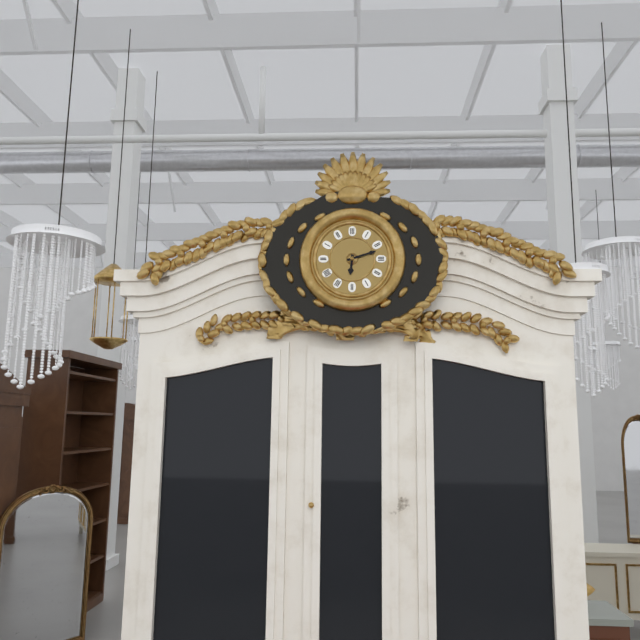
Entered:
6h12
